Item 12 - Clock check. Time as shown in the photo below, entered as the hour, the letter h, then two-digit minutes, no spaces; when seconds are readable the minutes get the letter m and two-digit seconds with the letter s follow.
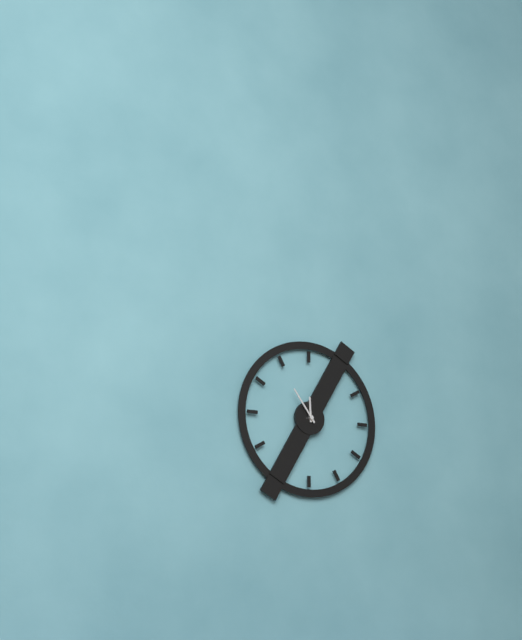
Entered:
11h54
